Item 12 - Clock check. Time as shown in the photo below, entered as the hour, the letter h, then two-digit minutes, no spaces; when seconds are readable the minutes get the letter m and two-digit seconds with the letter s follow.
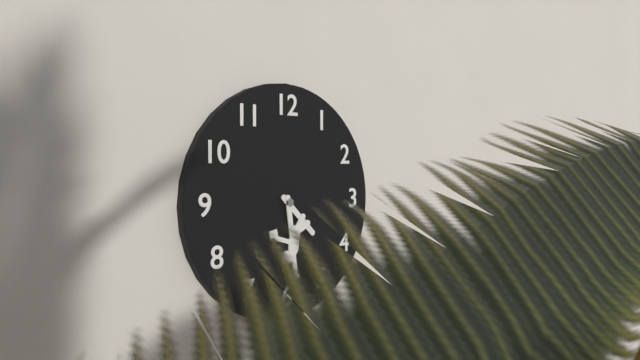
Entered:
4h28
